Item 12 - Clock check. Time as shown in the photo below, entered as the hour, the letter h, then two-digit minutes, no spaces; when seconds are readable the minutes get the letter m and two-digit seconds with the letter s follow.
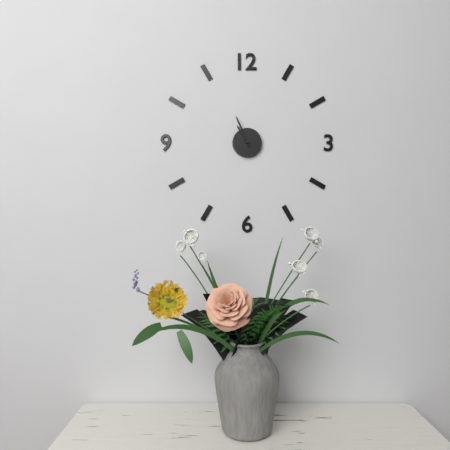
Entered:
10h56
